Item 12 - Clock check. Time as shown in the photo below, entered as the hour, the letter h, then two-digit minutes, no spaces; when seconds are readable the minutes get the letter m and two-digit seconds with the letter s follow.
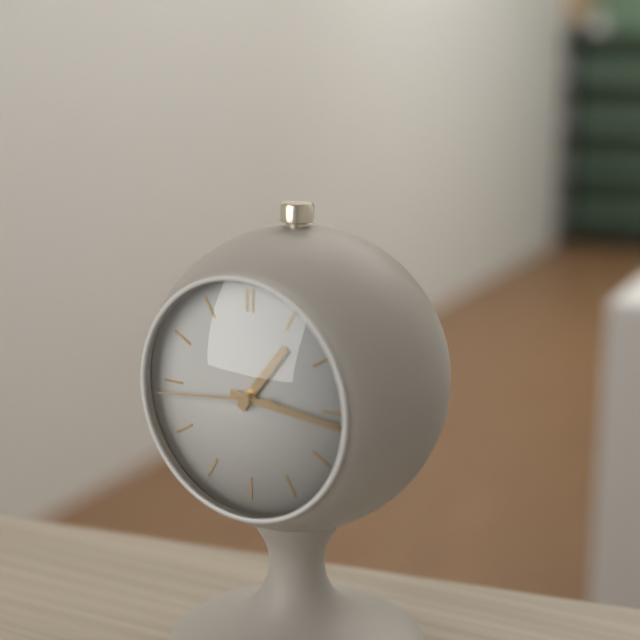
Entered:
1h16m44s
